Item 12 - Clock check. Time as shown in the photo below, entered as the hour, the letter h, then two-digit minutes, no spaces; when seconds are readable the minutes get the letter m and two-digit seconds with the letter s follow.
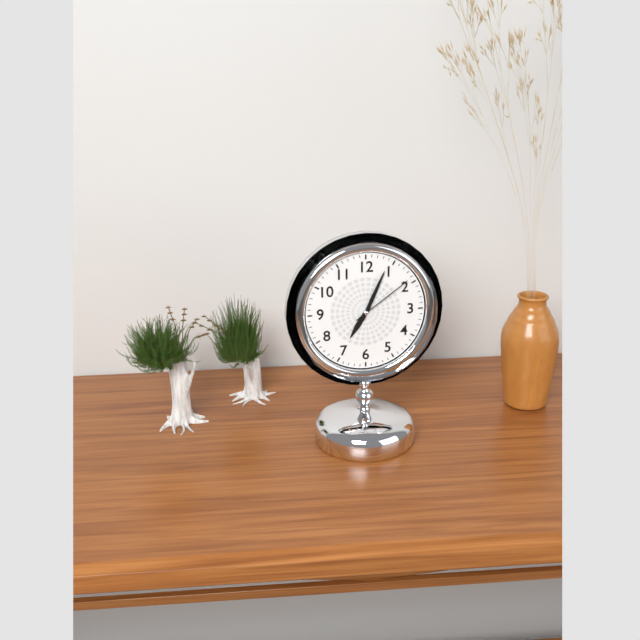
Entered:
7h04m09s
